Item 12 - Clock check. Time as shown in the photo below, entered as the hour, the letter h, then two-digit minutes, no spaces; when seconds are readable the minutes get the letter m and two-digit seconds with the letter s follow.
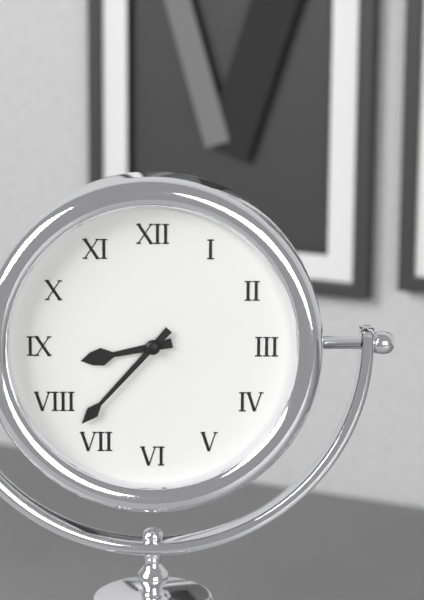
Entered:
8h37
